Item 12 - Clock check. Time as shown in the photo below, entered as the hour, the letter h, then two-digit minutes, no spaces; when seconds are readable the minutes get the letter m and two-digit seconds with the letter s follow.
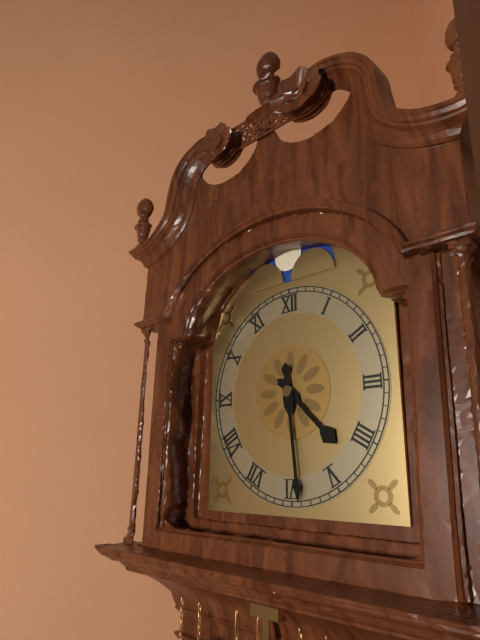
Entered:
4h29
